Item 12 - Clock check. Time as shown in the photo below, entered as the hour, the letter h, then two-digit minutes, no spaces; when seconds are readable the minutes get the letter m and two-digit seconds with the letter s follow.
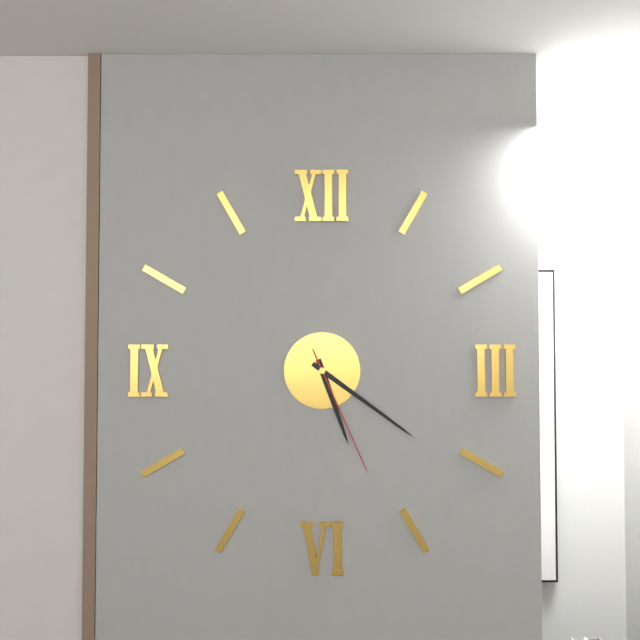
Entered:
5h21m26s
